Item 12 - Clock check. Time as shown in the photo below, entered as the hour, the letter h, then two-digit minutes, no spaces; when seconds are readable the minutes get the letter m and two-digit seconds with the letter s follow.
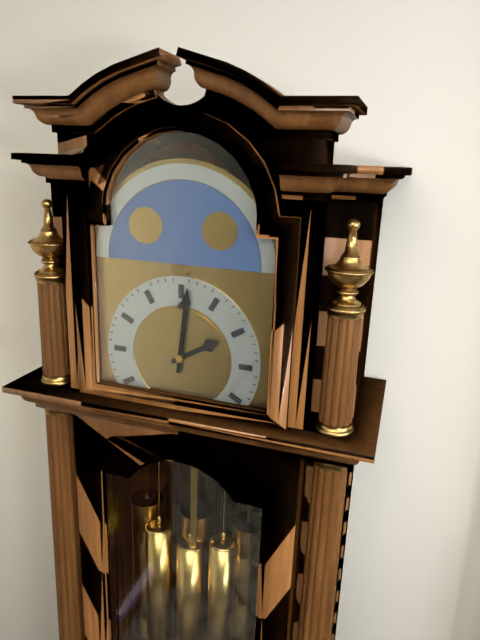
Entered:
2h01
